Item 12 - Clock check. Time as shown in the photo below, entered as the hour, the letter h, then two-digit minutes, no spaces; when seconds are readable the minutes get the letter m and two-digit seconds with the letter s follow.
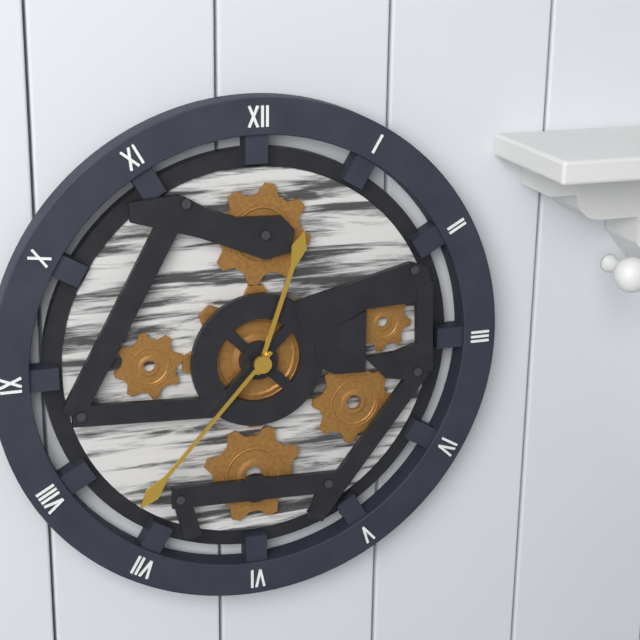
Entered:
12h37
